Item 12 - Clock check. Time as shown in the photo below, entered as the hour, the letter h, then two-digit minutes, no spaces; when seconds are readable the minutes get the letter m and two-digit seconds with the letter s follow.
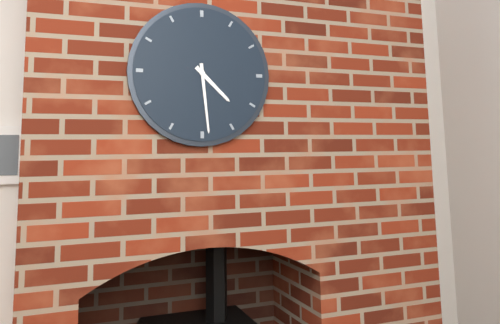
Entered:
4h29
